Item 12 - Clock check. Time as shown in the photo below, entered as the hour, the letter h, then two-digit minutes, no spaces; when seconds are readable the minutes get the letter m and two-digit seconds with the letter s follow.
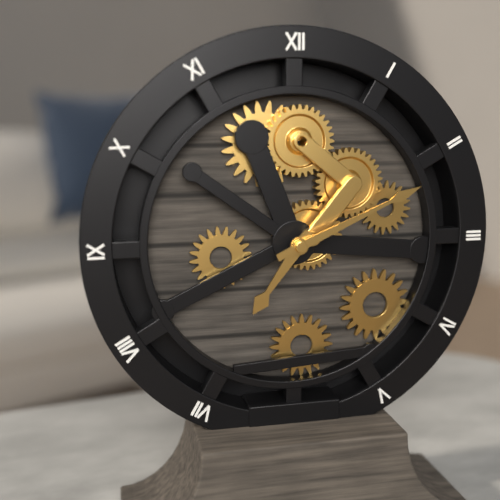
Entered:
7h11
